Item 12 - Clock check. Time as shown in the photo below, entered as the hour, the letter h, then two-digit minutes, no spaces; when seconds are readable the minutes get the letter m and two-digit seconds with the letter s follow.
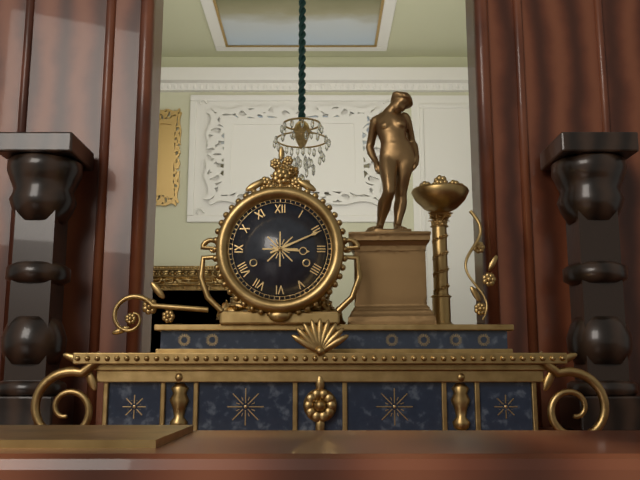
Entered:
3h11
